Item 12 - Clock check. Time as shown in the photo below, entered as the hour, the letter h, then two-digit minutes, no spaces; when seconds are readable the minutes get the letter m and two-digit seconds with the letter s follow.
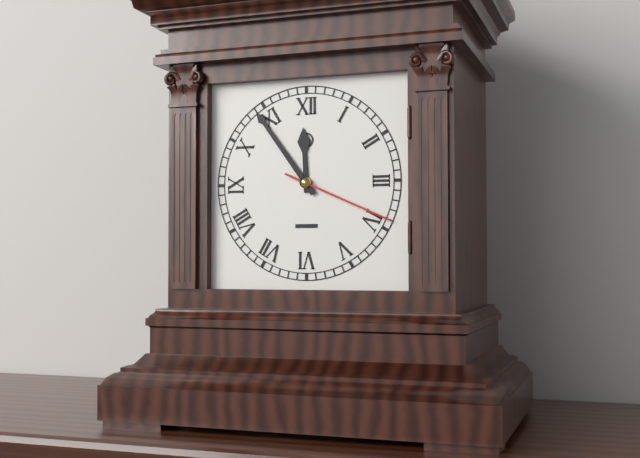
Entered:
11h54m19s
